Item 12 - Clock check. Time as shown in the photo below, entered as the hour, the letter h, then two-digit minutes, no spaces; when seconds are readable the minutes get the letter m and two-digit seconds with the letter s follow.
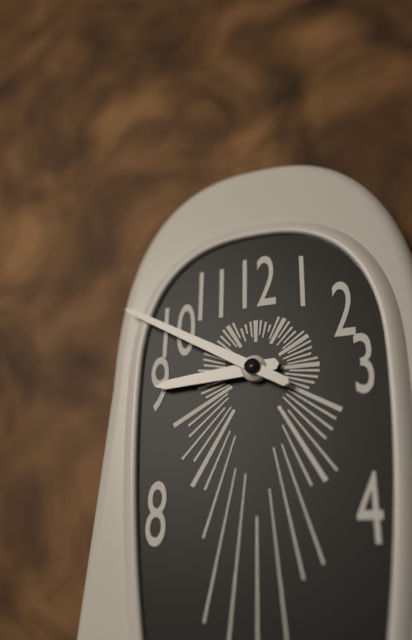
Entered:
8h50
